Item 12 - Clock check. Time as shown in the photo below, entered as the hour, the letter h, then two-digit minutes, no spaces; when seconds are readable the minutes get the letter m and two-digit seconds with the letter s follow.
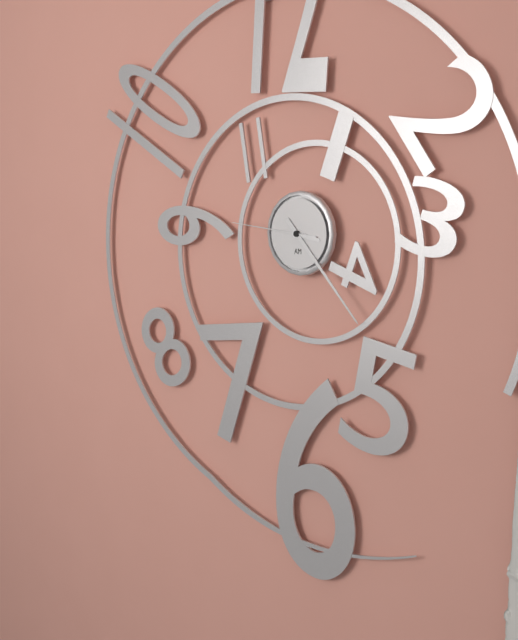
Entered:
3h23m46s
